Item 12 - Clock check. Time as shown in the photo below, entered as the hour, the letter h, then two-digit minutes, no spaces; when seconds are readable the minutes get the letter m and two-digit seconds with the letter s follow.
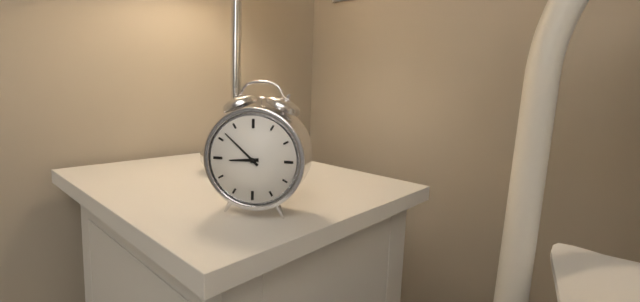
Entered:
8h52
